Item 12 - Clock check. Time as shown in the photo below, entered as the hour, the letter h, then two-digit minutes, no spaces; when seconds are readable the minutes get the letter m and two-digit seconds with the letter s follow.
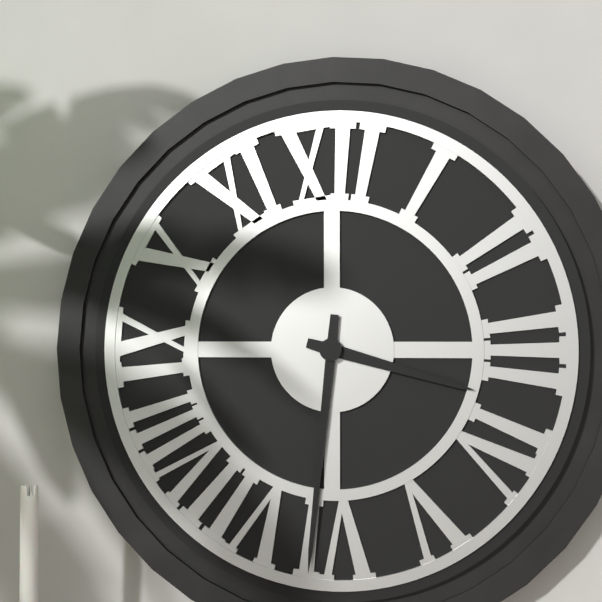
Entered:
3h31
